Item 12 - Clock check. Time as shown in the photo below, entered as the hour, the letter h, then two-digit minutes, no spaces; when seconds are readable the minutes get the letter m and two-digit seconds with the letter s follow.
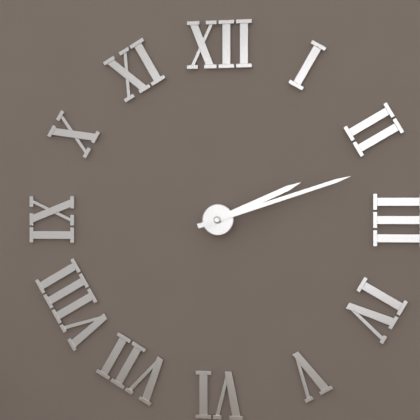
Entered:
2h12
